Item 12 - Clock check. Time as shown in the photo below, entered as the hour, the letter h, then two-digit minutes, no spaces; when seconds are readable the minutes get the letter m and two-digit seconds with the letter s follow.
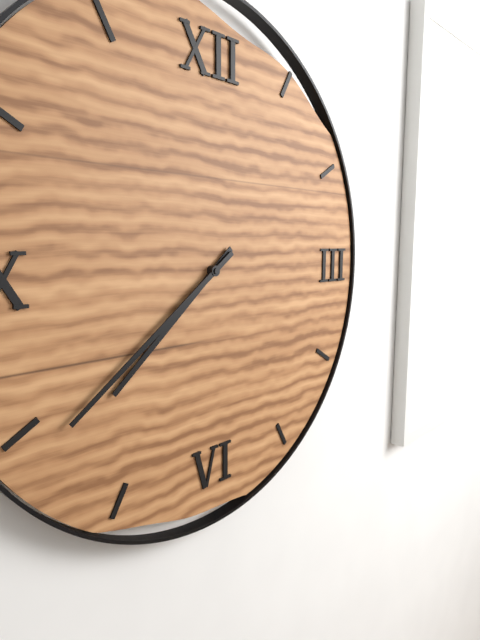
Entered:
7h39
